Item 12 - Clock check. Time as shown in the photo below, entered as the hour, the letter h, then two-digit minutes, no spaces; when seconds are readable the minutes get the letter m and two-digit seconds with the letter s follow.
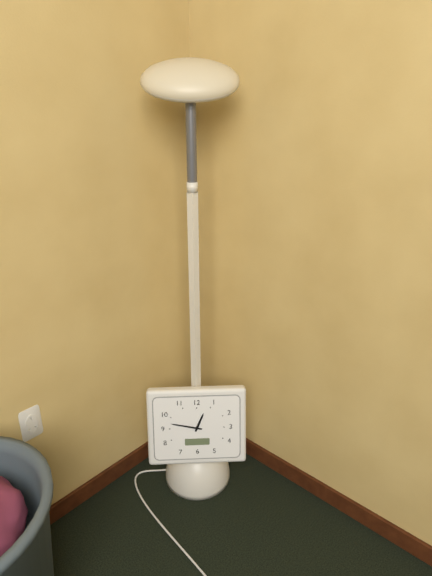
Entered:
12h47
